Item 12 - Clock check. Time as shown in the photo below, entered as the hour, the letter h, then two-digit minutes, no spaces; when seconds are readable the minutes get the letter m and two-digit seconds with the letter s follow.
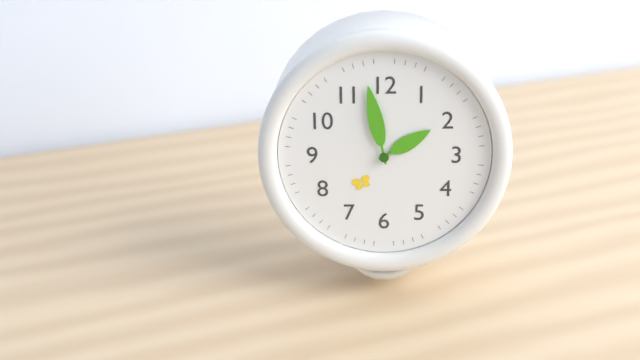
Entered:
1h58
